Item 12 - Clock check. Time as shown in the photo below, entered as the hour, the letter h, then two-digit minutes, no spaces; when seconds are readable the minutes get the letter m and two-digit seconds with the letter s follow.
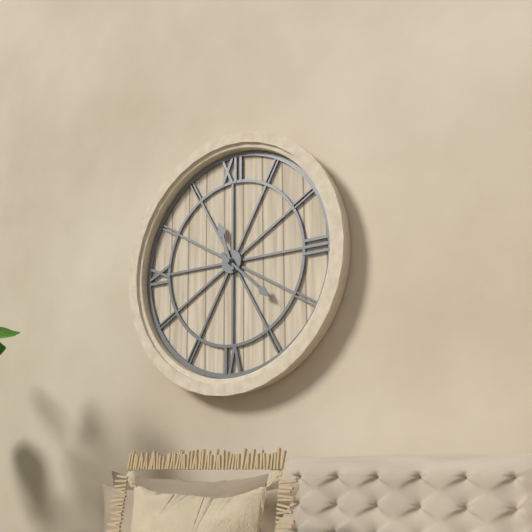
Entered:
11h22
